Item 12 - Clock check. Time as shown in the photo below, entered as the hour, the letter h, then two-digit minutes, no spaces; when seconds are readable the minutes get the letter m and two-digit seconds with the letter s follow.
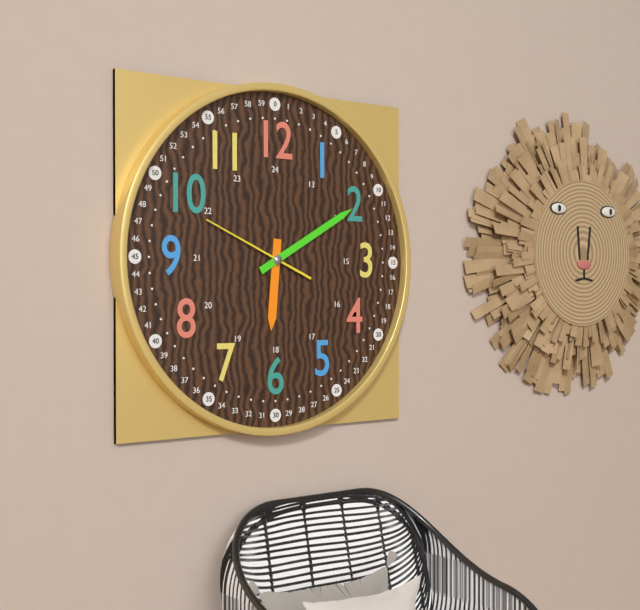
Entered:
6h10m49s
